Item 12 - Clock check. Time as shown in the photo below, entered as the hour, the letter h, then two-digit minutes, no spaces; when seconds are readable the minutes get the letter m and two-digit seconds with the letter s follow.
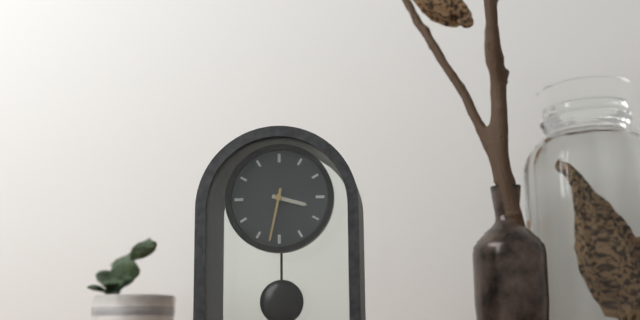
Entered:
3h32
